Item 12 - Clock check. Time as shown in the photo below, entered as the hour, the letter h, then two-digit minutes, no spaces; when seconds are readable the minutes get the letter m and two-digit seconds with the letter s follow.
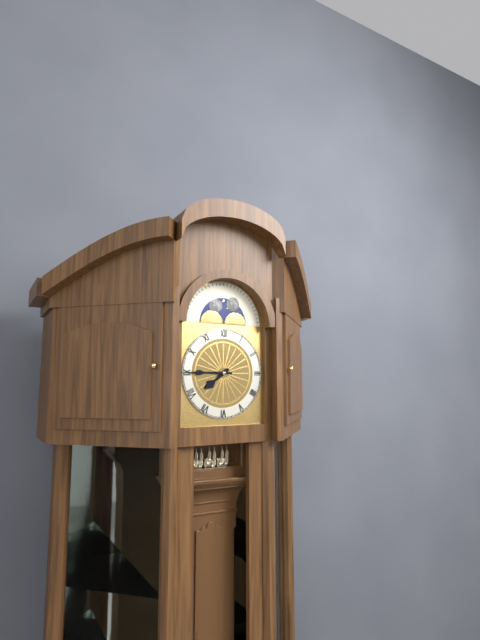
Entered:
7h45
